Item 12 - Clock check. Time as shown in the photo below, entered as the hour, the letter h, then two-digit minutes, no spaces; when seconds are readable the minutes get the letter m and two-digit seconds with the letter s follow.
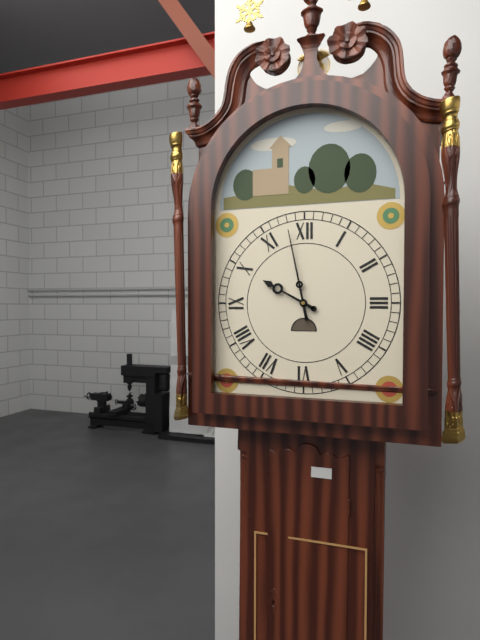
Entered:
9h58
